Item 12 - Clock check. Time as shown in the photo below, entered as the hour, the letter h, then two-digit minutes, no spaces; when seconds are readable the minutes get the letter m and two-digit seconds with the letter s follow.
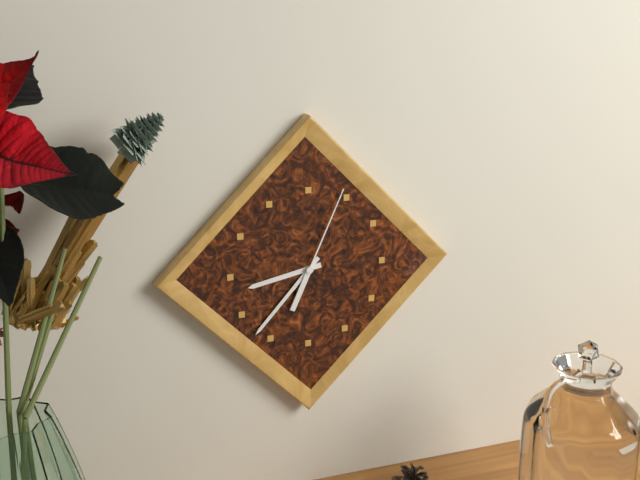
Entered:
8h37m04s
